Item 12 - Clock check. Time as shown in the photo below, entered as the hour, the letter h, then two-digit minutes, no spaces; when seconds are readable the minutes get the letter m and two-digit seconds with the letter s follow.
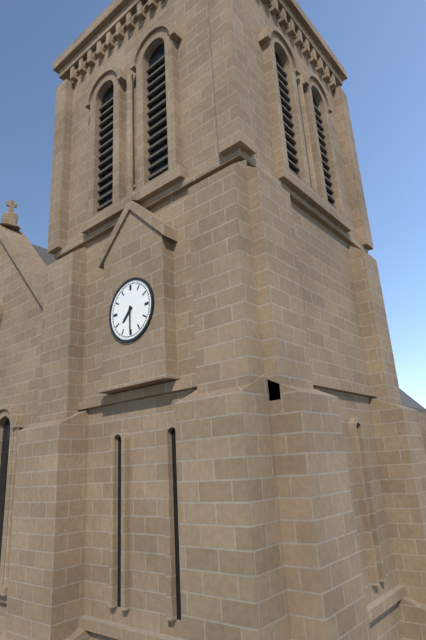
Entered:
7h30
